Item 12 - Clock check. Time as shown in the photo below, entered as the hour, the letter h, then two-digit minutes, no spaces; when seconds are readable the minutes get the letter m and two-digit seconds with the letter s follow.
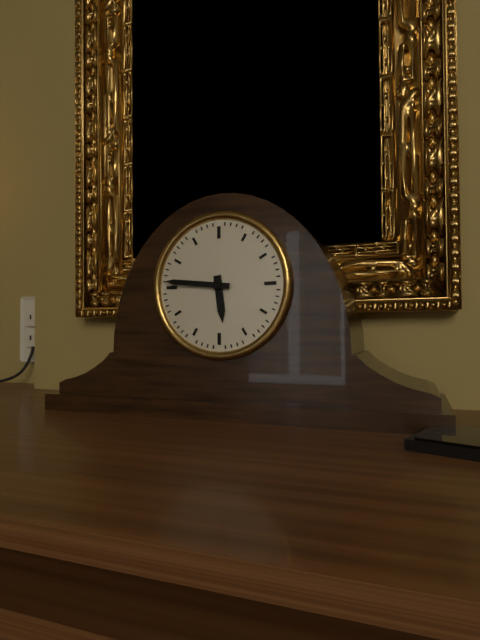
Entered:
5h46
